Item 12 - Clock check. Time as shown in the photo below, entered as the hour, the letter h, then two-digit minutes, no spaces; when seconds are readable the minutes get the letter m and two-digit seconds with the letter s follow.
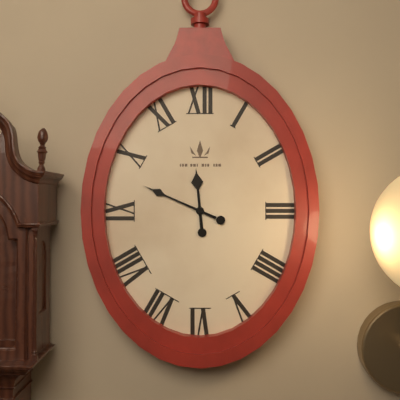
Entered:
11h49
